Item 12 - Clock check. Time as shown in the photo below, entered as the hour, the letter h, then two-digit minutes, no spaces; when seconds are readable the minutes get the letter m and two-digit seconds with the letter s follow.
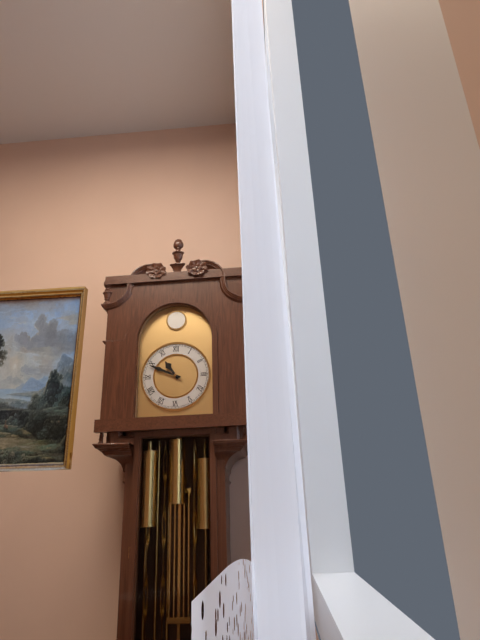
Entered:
10h49
